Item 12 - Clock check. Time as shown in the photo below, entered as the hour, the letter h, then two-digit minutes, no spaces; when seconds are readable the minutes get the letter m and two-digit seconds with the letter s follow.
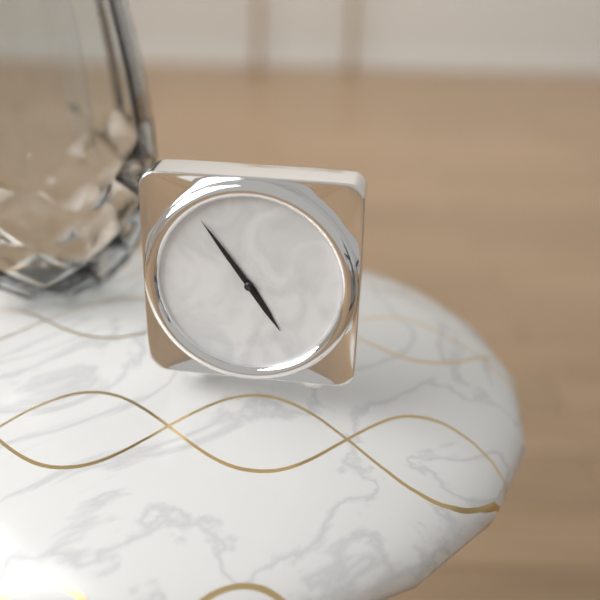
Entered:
4h54
